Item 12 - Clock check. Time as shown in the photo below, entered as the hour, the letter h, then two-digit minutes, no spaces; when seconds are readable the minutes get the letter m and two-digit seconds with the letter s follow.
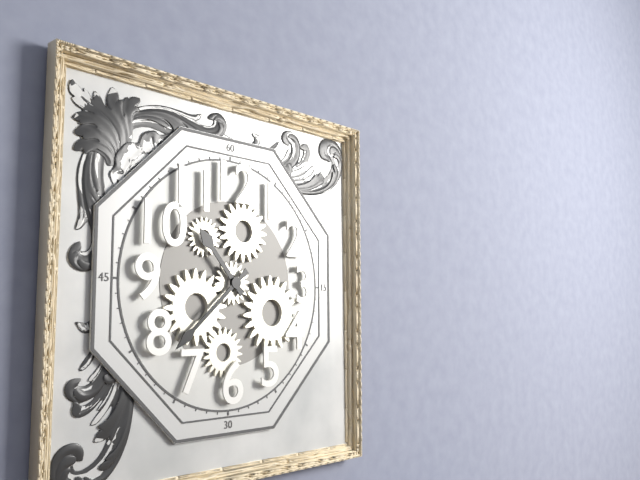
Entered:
10h38
